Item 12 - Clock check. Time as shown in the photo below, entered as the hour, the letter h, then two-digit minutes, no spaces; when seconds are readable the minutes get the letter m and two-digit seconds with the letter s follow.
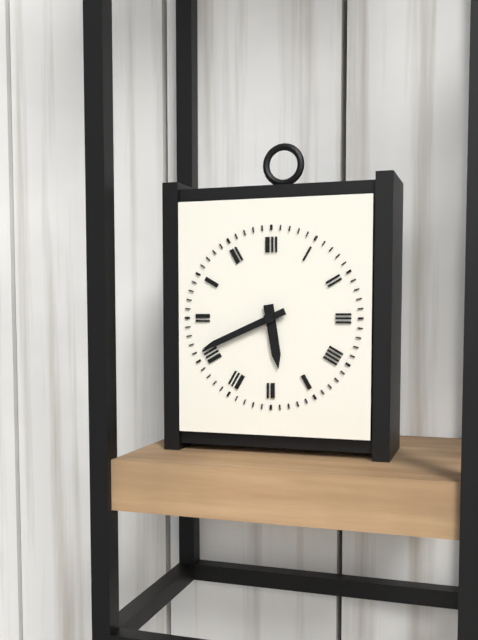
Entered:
5h41
